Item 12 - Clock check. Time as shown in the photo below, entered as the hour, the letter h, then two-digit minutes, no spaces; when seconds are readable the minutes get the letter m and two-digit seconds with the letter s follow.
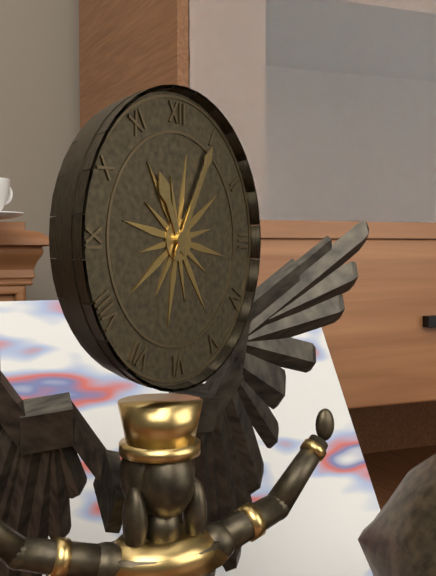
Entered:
11h05
